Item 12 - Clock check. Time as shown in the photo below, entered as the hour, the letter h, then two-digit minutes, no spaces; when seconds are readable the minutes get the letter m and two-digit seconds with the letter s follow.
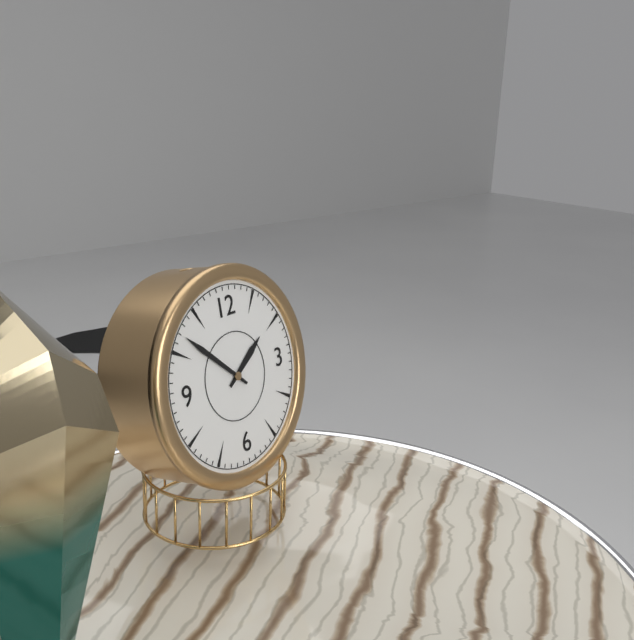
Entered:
1h52
